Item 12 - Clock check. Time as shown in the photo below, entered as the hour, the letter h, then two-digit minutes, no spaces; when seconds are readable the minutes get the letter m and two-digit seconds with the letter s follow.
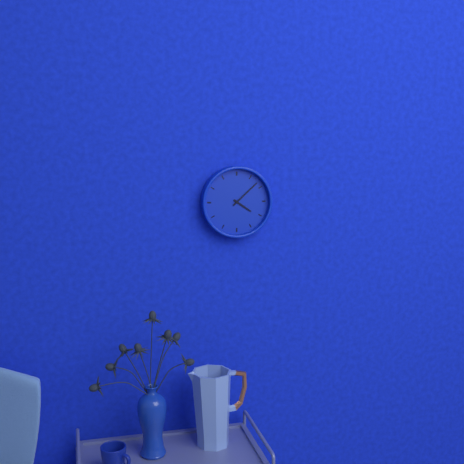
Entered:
4h08
